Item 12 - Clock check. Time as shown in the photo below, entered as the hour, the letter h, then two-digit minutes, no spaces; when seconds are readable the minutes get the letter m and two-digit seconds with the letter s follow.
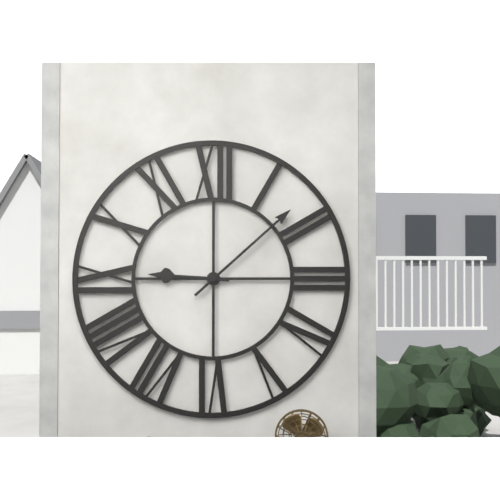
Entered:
9h08
